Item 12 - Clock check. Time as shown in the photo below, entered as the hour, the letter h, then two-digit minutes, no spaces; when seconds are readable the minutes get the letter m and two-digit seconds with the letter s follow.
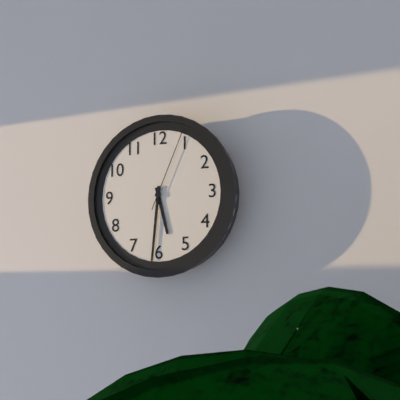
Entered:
5h31m04s
